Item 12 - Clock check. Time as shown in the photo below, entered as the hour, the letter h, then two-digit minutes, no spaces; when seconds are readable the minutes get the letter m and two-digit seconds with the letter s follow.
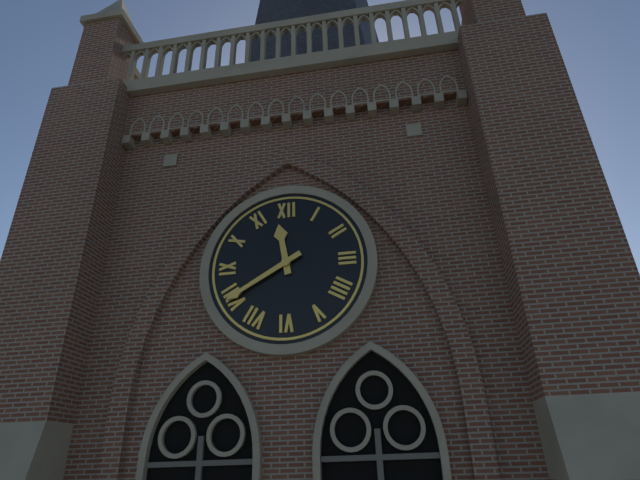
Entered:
11h40
